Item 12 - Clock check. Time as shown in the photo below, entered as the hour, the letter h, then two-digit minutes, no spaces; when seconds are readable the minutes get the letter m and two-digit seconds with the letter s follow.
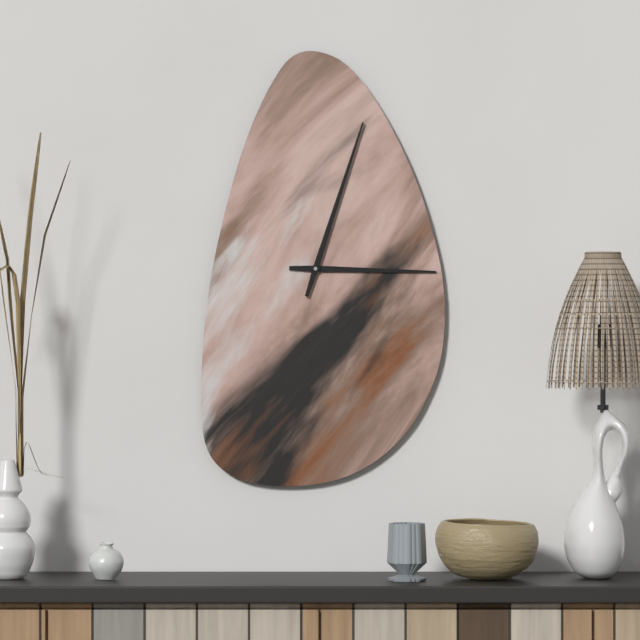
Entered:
3h03
